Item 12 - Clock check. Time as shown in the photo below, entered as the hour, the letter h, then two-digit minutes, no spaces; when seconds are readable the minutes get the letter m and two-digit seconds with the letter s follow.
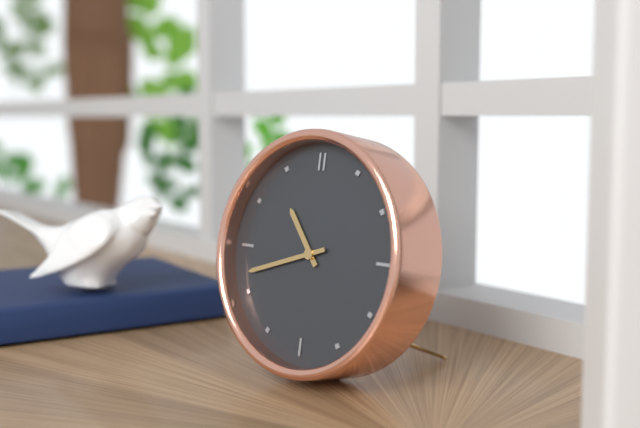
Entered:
10h42
